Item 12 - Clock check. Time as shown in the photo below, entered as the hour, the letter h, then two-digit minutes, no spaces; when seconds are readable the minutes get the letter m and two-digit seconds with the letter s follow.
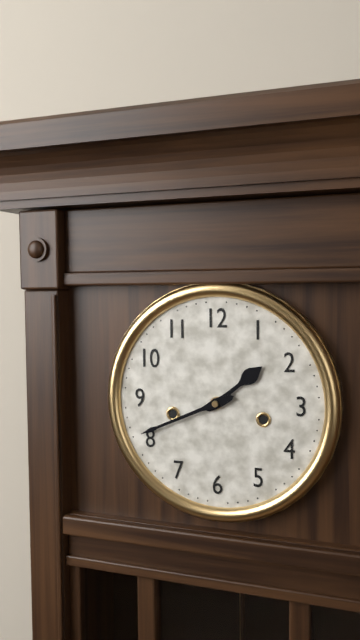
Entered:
1h41
